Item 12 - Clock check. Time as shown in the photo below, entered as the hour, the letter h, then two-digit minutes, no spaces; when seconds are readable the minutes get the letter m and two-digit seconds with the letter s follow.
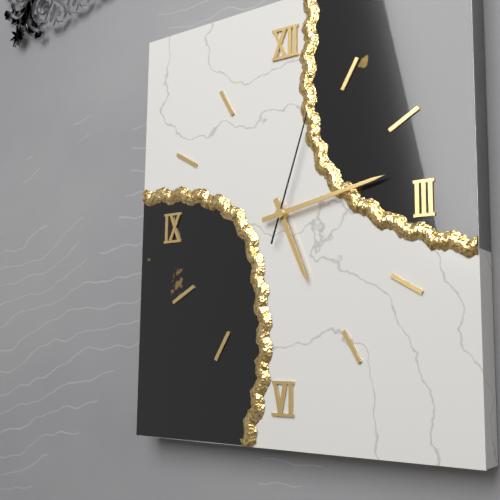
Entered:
5h13m03s
